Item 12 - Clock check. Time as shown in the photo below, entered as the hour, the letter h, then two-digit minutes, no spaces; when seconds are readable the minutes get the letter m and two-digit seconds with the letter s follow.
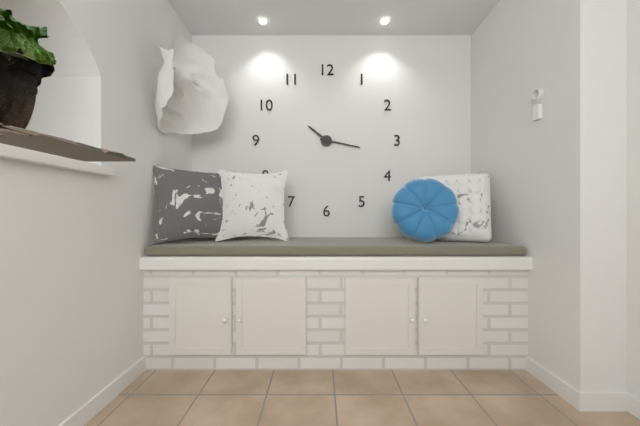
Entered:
10h17
